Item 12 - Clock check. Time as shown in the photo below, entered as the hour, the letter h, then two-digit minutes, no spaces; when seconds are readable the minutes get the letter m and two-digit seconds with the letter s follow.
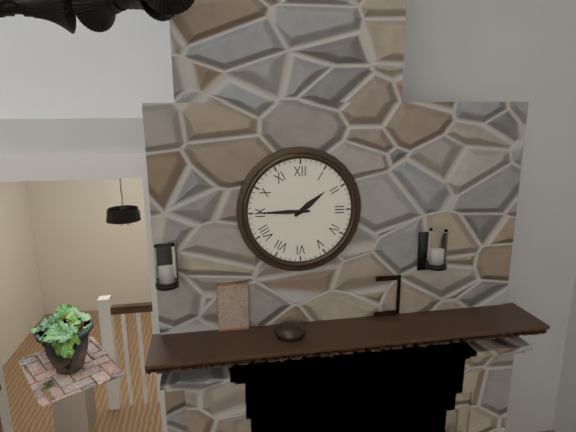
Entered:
1h45
